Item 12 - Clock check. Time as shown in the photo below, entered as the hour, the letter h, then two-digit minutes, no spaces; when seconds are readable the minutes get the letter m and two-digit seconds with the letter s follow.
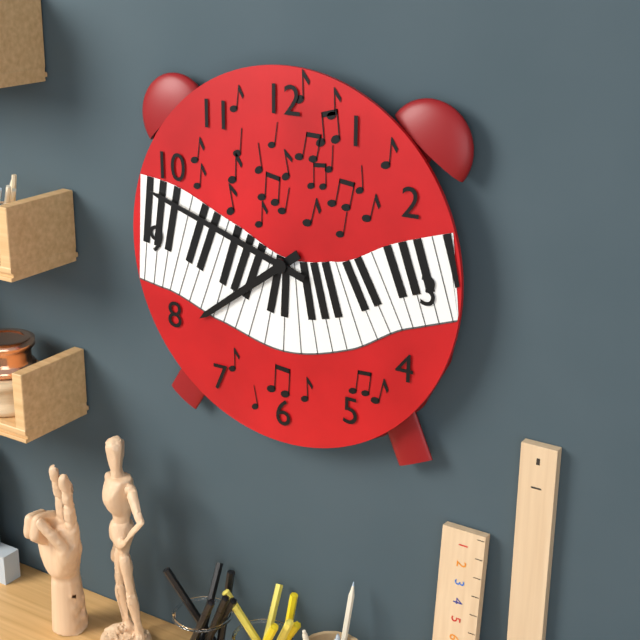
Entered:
7h48
